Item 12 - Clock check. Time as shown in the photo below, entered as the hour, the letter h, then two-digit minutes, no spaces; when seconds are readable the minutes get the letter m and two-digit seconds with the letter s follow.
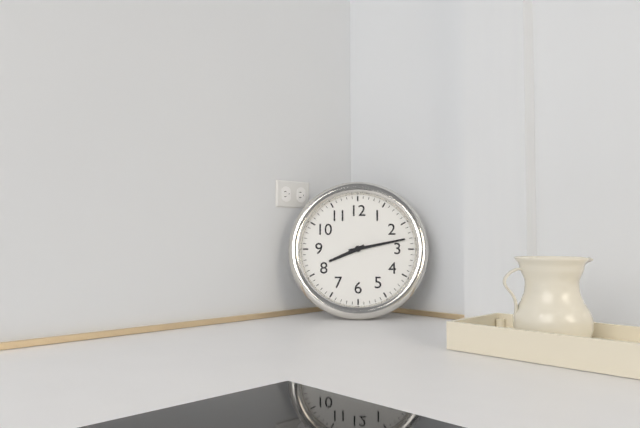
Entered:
8h13
